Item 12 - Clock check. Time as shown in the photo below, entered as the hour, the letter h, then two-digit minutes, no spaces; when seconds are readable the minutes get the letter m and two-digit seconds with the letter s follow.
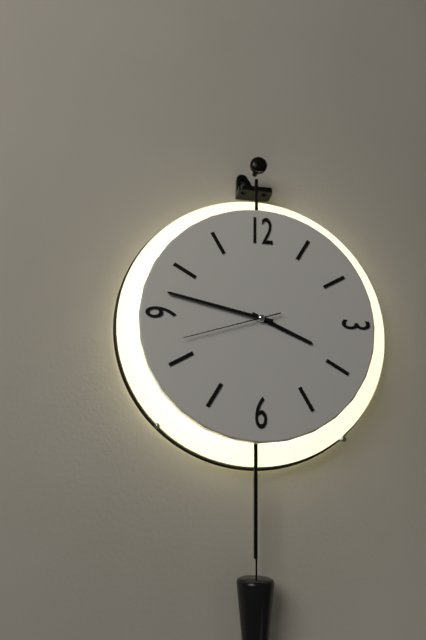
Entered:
3h47m42s
